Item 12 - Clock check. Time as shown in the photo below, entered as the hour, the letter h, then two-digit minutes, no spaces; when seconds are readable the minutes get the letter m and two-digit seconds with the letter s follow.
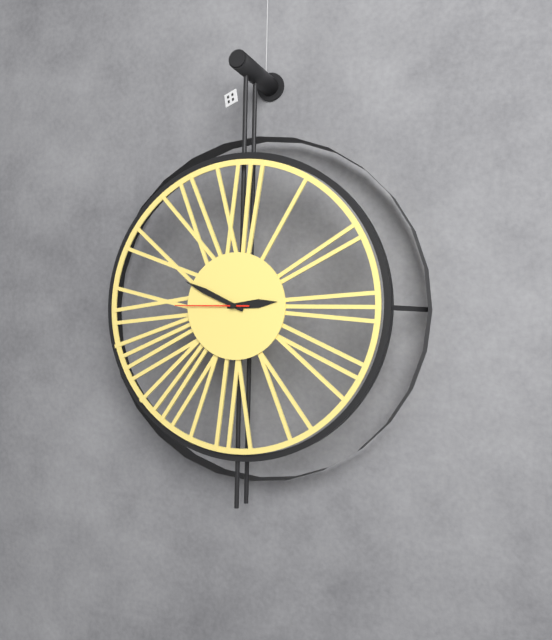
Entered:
2h49m45s
